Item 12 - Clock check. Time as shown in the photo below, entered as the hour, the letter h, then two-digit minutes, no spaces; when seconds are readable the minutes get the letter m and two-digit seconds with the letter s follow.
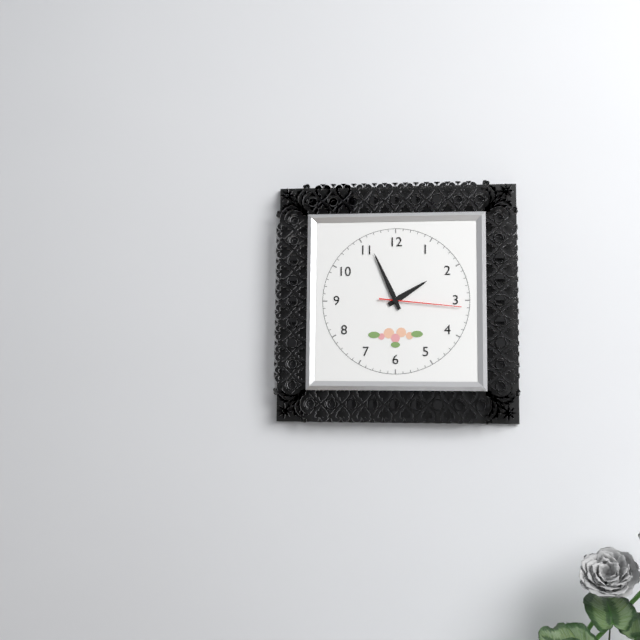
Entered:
1h56m16s
